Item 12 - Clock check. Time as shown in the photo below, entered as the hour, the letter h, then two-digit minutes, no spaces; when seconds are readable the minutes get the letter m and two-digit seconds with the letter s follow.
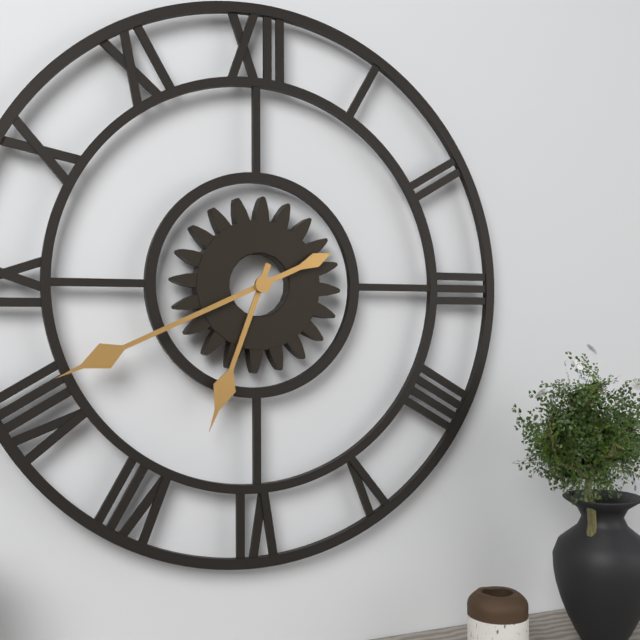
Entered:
6h41
